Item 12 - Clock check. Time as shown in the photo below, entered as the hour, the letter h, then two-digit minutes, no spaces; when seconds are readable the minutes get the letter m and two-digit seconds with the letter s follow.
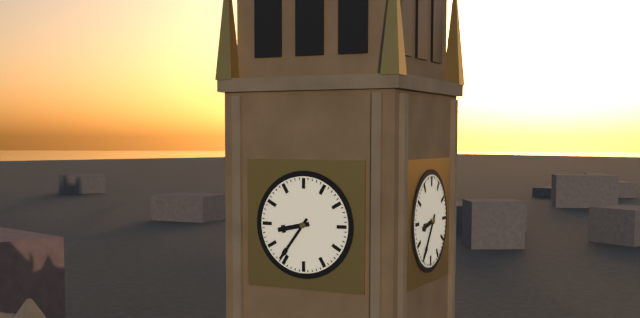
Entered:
8h36
